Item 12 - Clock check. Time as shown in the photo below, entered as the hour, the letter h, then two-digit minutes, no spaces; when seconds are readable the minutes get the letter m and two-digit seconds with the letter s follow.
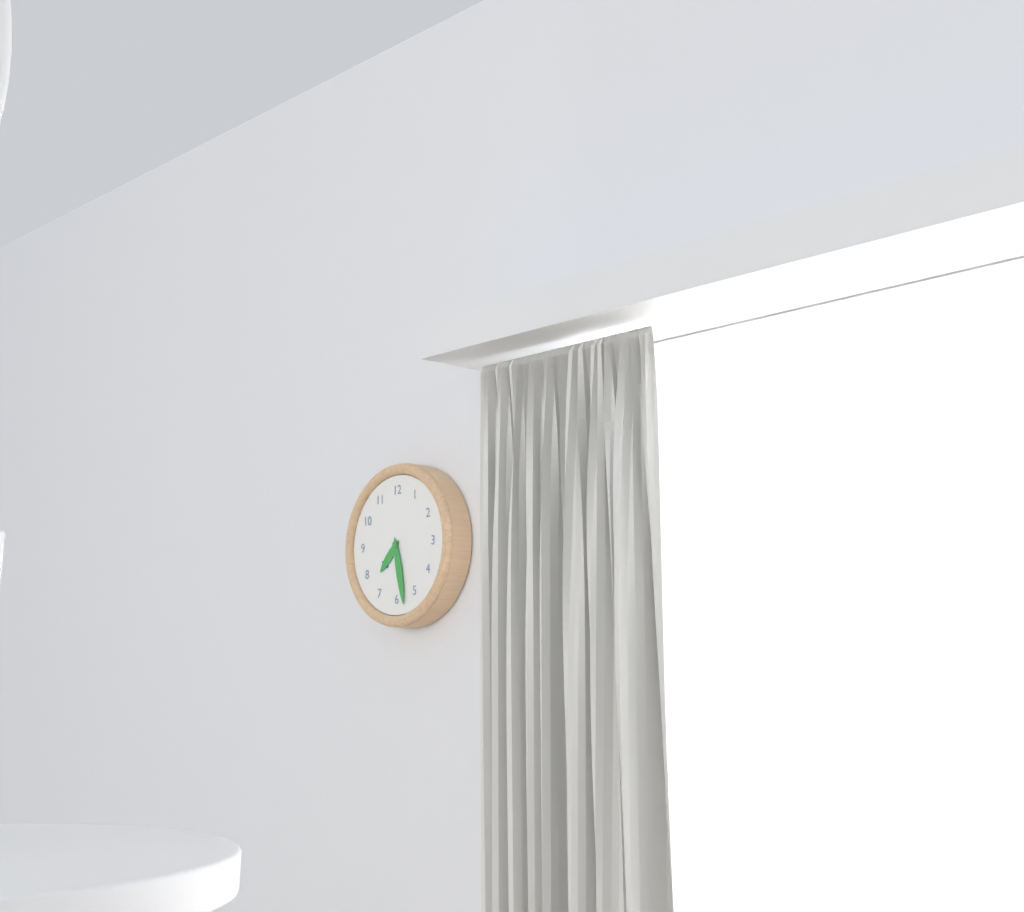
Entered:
7h28
